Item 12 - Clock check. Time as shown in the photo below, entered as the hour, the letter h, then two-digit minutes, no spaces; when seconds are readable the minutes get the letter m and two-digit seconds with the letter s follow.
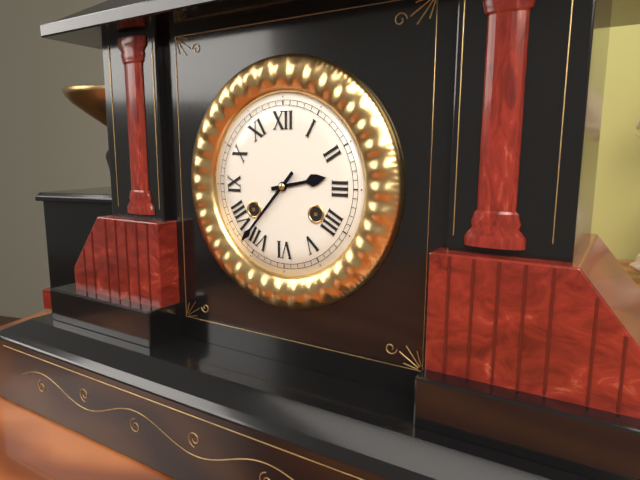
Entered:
2h37
